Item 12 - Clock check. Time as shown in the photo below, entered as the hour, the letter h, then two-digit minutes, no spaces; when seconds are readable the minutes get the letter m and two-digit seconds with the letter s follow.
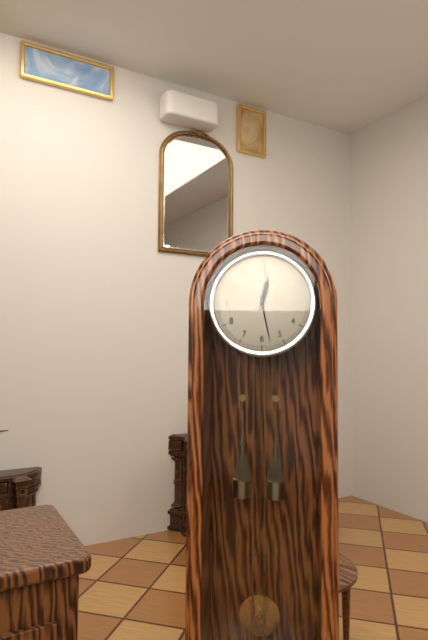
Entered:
12h28
